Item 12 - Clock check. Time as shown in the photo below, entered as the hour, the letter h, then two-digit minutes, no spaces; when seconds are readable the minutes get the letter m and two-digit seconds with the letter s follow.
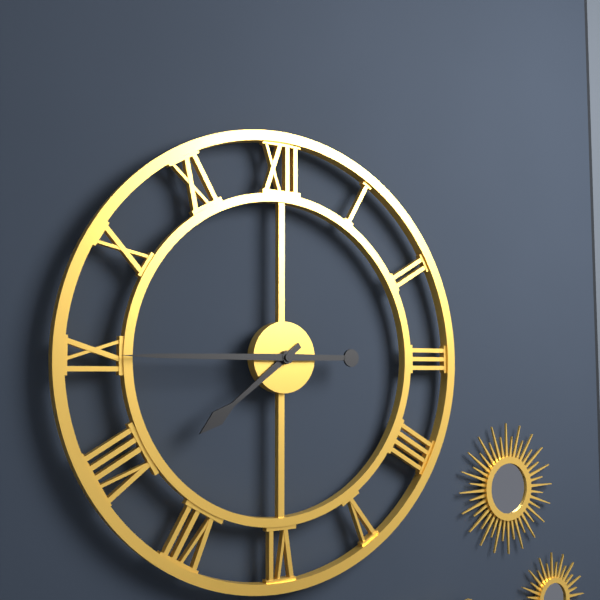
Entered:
7h45
